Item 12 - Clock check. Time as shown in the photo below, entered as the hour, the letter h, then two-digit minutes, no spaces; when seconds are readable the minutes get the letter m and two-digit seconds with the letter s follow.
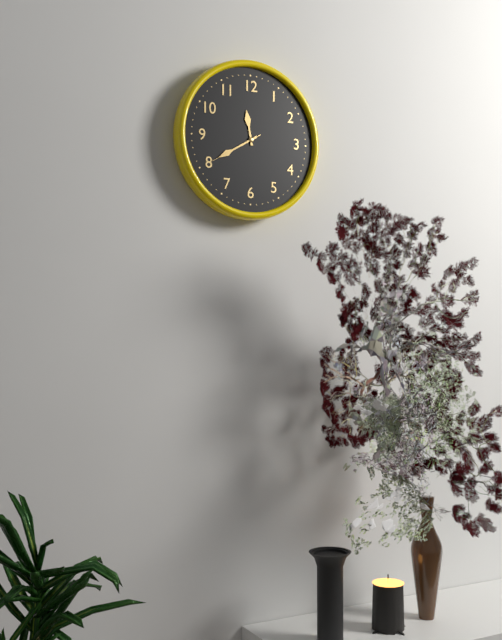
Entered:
11h40m40s
